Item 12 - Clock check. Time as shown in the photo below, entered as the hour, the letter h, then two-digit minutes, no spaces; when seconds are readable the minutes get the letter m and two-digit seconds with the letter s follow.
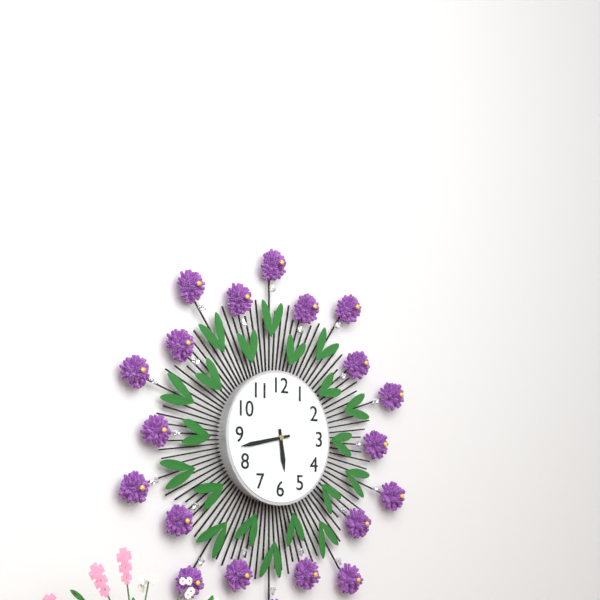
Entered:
5h43
